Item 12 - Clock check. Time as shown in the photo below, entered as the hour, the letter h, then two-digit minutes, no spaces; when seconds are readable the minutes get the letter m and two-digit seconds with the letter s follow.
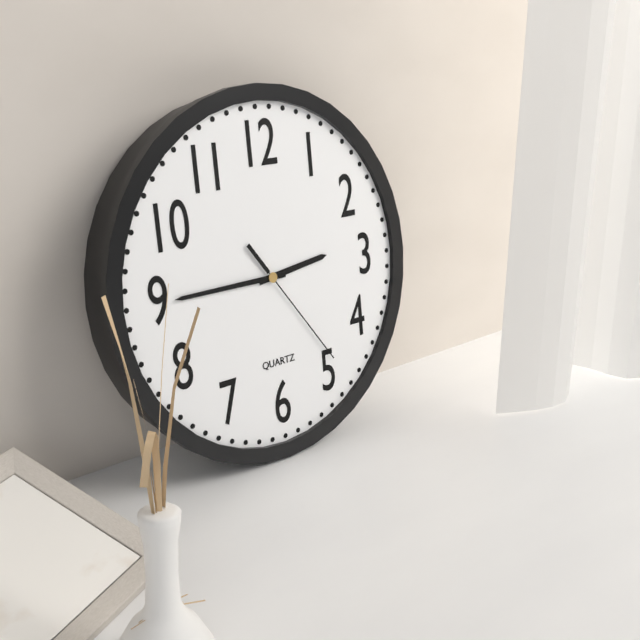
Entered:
2h45m24s
